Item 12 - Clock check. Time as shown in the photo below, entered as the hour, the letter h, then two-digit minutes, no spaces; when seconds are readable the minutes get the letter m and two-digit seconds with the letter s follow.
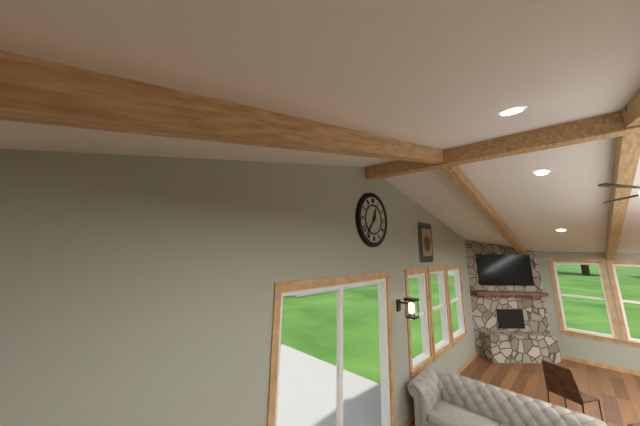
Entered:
12h37
